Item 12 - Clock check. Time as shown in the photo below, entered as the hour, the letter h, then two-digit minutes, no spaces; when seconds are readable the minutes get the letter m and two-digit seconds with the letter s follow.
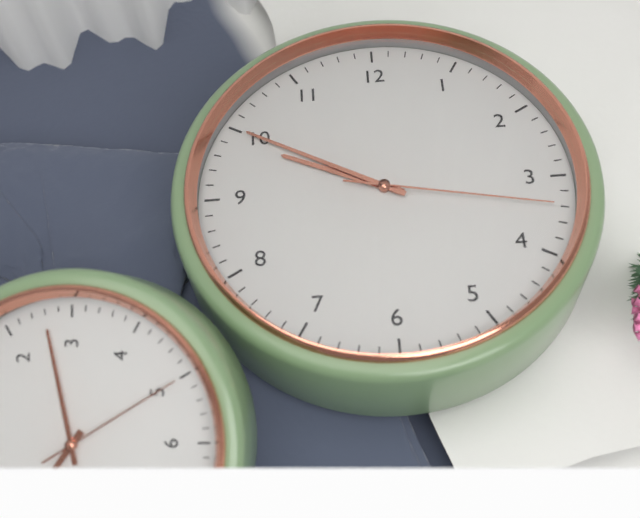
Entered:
9h50m17s
